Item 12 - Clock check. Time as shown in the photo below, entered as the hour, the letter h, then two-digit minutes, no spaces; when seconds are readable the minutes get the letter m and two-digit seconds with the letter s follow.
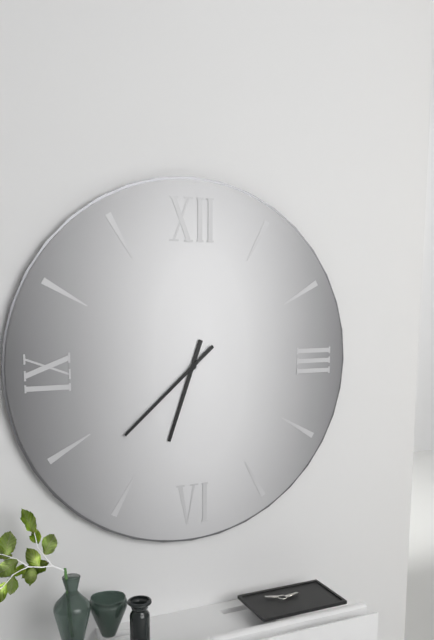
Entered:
6h38
